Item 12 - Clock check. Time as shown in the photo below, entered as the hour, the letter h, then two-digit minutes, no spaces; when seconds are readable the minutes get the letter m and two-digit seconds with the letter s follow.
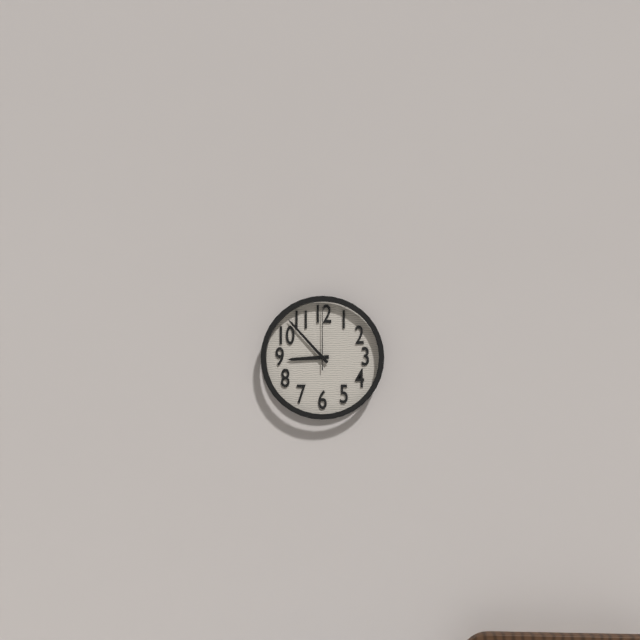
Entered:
8h53m00s
